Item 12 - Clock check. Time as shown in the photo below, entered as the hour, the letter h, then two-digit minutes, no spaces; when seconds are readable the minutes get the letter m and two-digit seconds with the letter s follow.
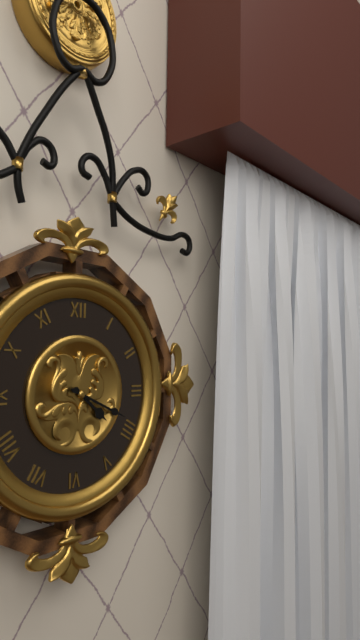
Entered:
4h19
